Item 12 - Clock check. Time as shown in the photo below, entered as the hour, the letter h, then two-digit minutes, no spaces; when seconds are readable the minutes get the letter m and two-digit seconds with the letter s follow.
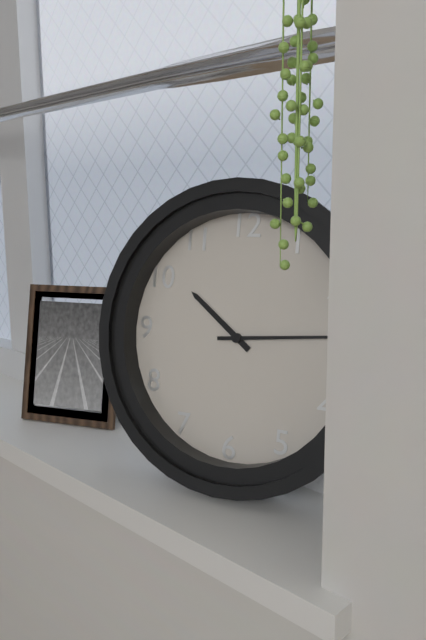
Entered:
10h14
